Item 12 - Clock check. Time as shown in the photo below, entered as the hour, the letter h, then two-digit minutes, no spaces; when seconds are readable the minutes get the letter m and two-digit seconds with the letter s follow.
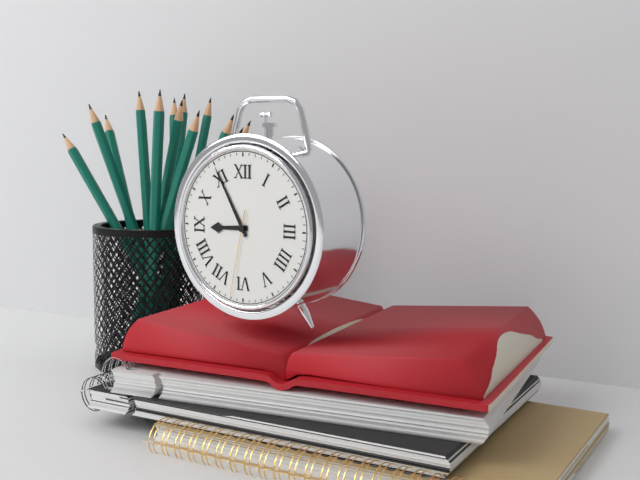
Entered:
8h55m32s
